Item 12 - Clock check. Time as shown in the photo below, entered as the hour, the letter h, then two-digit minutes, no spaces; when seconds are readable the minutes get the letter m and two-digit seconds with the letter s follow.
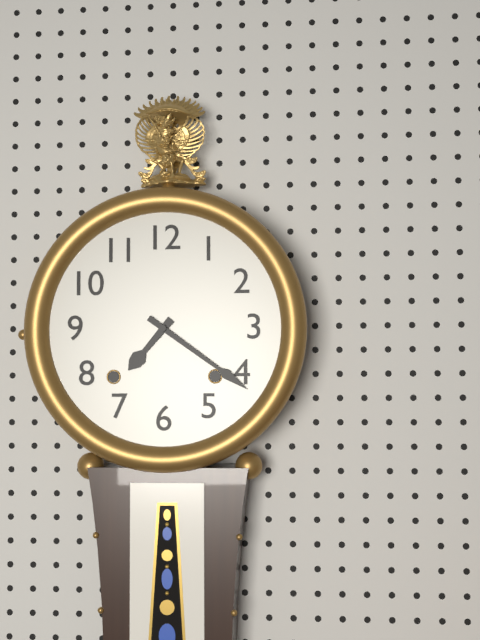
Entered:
7h21
